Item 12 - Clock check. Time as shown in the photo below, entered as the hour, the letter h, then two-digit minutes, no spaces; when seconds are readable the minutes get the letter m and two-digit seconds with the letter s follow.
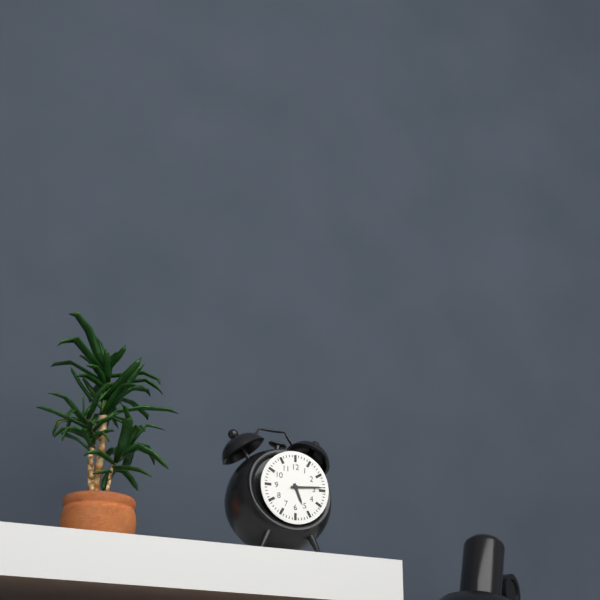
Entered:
5h14
